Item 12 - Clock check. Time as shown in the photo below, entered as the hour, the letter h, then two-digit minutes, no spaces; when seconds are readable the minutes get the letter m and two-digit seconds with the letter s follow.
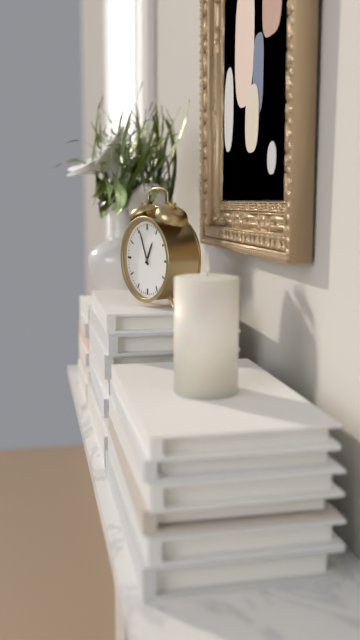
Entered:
12h56
